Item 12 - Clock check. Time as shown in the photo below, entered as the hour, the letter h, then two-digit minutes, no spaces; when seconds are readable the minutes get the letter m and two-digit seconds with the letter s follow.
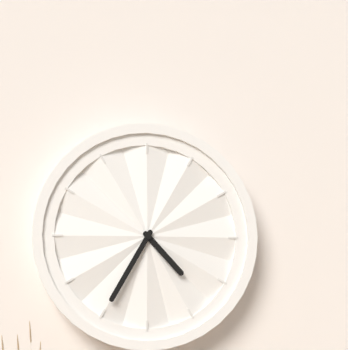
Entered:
4h35
